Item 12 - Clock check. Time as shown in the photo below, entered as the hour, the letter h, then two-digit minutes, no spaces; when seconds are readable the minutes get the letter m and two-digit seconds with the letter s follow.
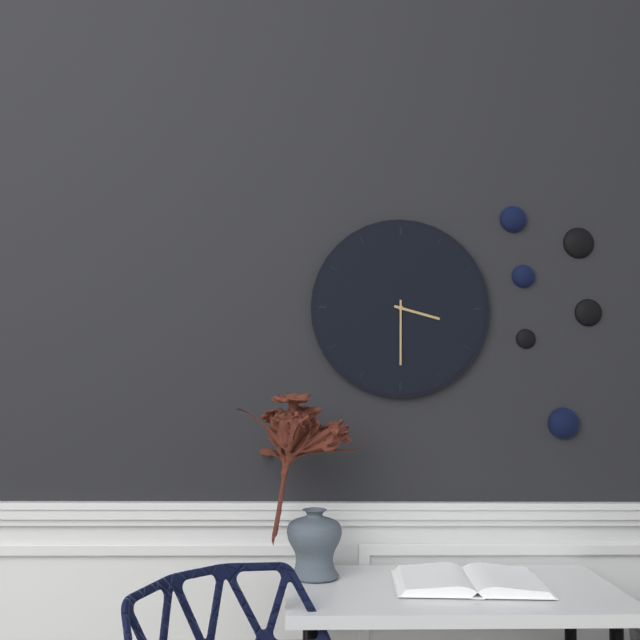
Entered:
3h30
